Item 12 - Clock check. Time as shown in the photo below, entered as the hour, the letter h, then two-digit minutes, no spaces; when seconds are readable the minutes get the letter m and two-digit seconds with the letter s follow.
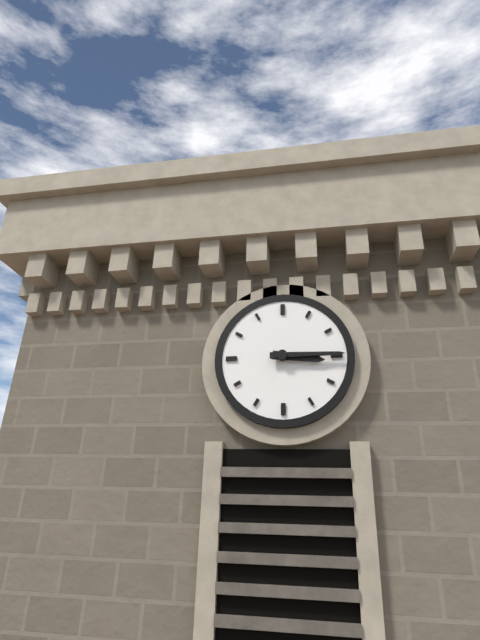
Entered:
3h15
